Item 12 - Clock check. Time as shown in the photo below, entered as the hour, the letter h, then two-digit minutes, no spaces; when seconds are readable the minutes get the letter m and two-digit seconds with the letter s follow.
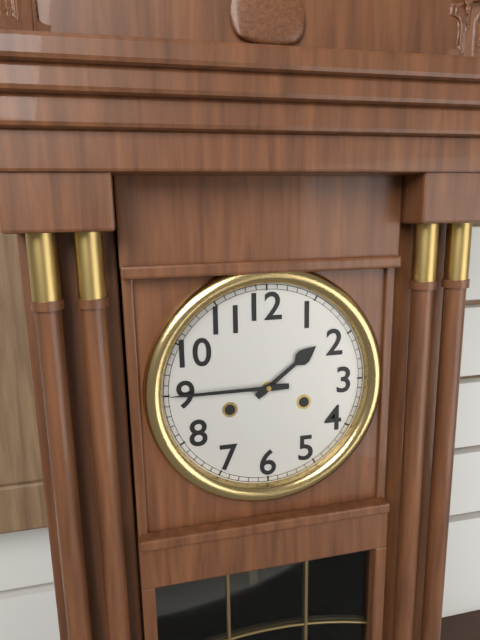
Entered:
1h45
